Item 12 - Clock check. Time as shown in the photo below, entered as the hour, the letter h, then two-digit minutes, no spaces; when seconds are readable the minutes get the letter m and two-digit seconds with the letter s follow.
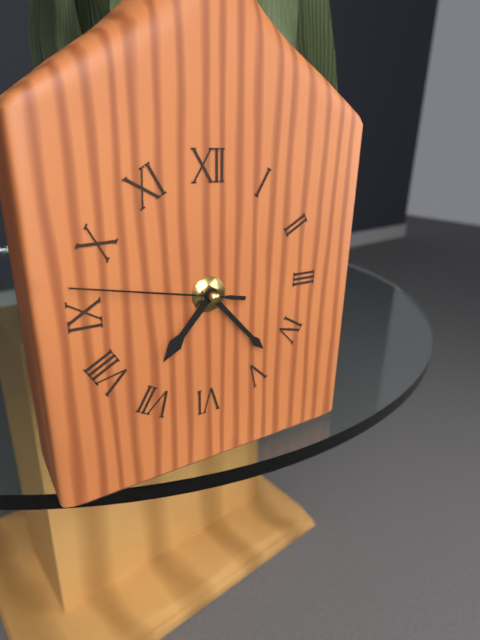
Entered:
7h23m47s
